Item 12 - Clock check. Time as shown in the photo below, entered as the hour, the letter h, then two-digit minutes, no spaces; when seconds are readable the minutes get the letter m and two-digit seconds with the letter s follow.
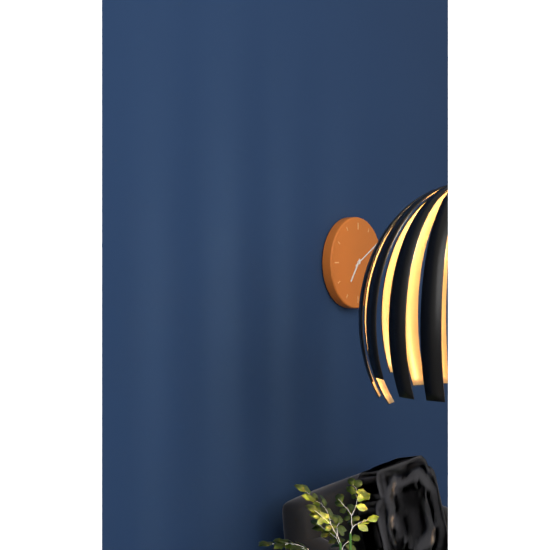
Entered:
7h10
